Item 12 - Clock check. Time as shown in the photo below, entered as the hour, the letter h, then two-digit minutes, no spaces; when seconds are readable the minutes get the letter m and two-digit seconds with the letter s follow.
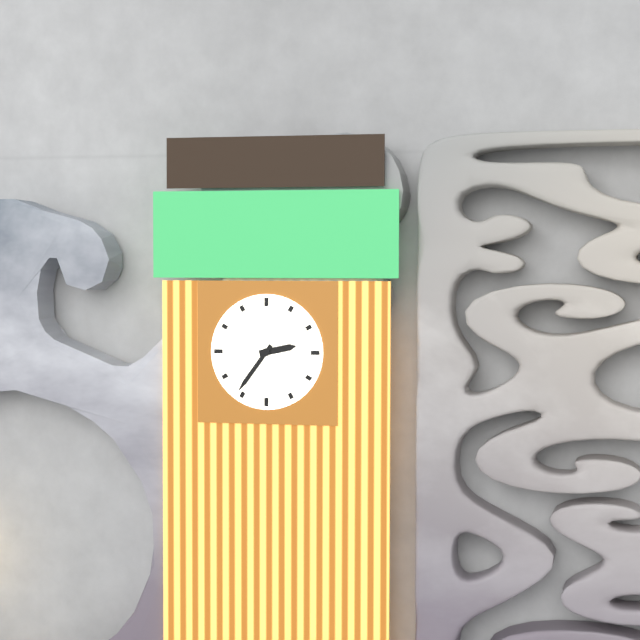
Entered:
2h36
